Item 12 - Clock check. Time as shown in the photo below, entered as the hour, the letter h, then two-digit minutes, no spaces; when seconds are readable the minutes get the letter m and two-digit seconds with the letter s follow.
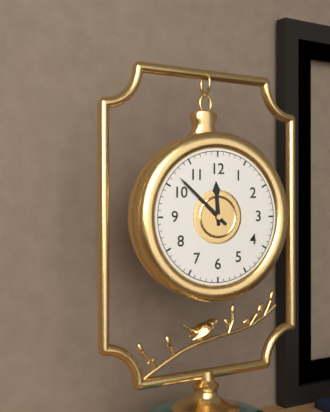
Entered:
11h52
